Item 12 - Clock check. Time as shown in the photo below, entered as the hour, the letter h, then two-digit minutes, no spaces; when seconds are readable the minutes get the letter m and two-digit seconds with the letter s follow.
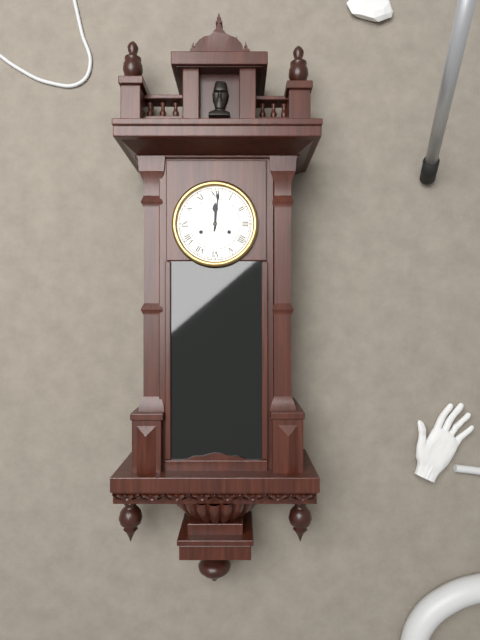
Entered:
12h01
